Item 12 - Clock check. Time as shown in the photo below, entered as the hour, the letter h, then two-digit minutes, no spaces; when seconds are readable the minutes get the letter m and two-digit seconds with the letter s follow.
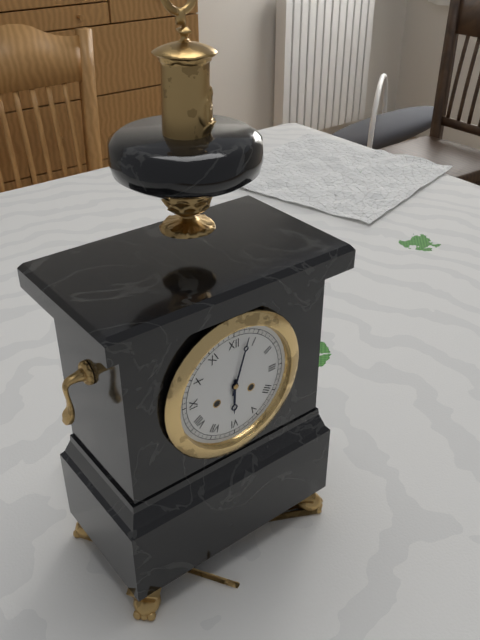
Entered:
6h03
